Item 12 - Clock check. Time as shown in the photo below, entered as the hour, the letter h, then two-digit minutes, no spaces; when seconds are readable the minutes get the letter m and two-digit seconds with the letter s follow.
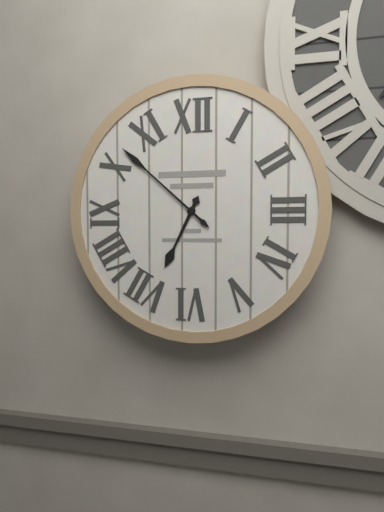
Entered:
6h52
